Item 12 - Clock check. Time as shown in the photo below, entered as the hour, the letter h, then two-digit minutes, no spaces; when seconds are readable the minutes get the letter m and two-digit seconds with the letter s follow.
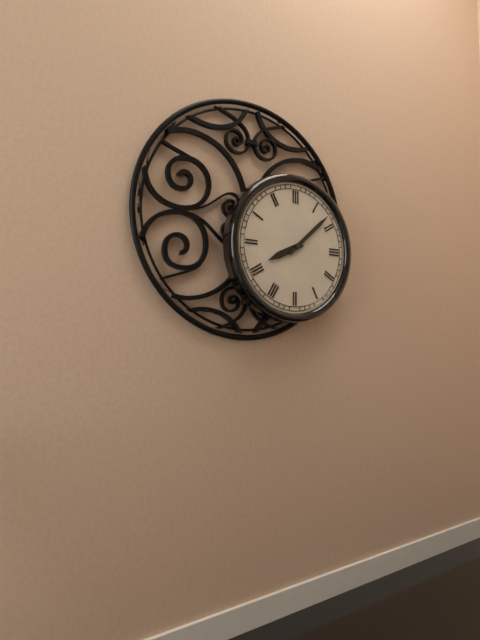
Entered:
8h08
